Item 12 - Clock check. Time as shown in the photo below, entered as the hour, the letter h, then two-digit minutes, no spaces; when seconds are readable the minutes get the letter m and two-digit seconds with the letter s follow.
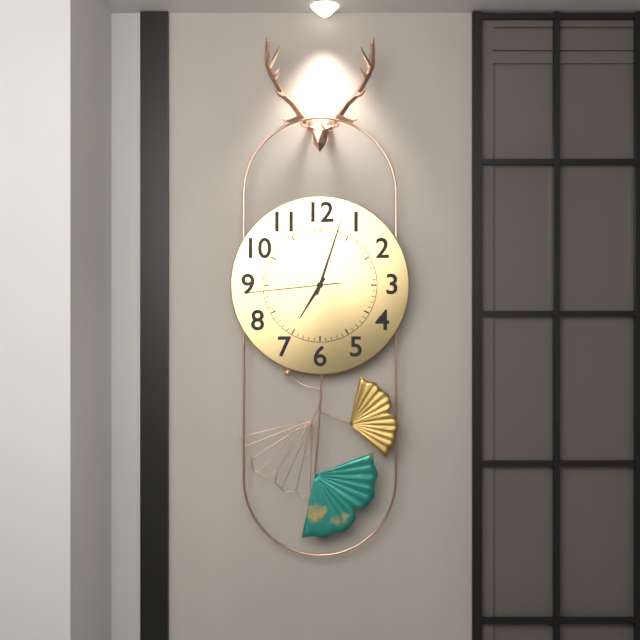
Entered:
7h03m44s
